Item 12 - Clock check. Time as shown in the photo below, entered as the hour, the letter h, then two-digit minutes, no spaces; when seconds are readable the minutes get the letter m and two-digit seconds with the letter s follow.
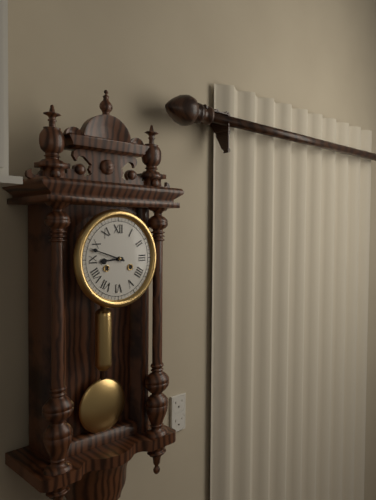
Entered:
8h48
